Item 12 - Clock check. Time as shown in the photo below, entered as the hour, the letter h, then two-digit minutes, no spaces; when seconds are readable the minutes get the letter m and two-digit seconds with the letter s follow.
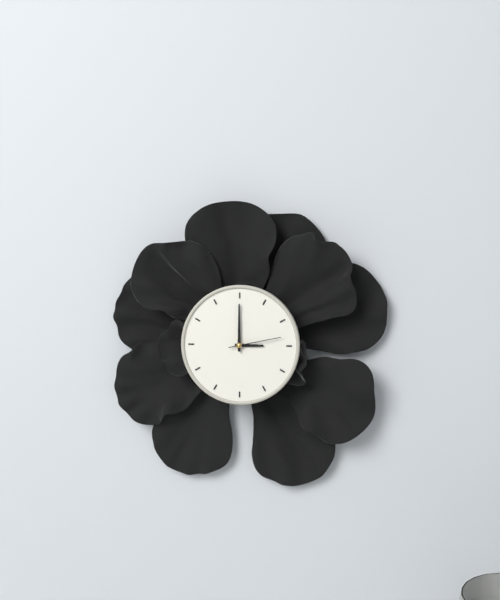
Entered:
3h00m13s
